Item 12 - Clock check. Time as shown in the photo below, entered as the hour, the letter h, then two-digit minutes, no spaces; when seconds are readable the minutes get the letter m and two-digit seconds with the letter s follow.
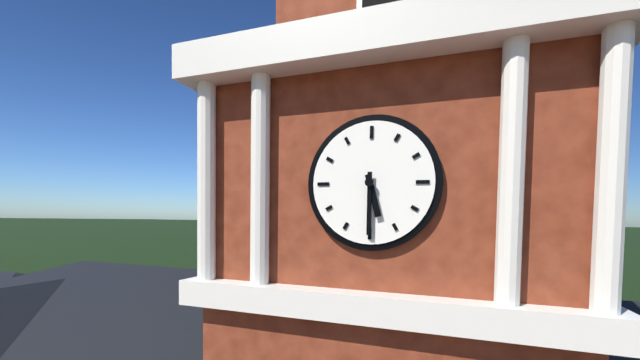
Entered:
5h30
